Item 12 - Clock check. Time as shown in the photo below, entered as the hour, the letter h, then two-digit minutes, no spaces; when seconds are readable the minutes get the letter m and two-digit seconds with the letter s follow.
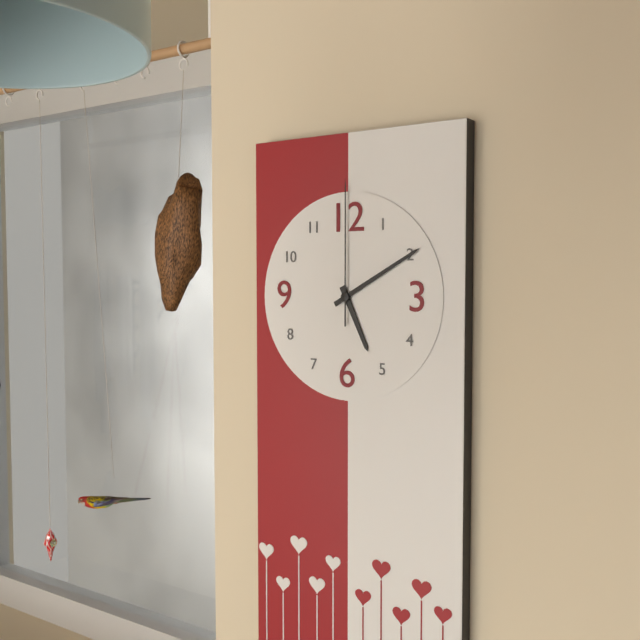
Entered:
5h10m00s
